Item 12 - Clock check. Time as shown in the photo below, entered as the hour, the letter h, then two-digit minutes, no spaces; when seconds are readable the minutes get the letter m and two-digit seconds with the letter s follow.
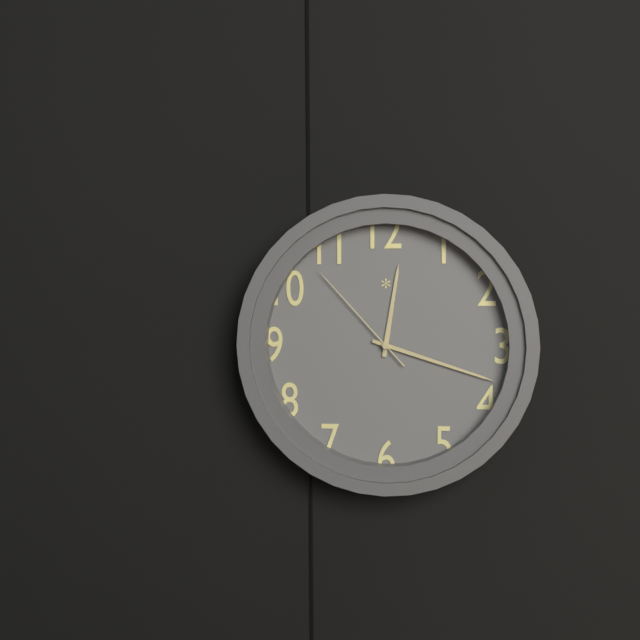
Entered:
12h18m53s
